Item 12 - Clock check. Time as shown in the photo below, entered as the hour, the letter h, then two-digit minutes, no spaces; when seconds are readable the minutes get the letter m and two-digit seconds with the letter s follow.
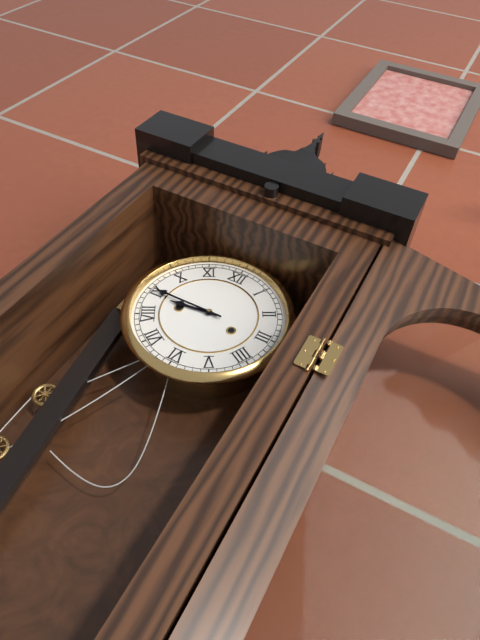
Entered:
8h45
